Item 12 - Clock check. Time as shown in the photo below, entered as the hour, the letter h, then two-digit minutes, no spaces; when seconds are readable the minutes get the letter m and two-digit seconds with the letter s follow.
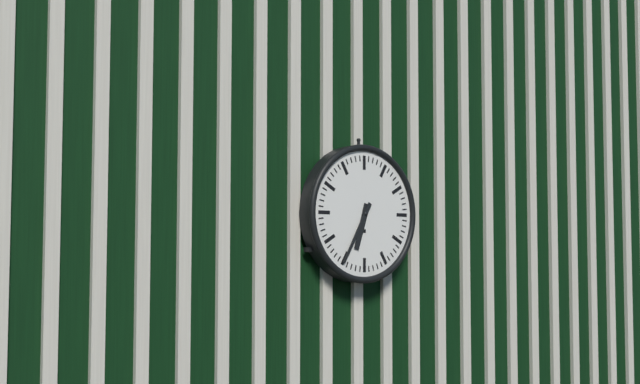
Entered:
6h35
